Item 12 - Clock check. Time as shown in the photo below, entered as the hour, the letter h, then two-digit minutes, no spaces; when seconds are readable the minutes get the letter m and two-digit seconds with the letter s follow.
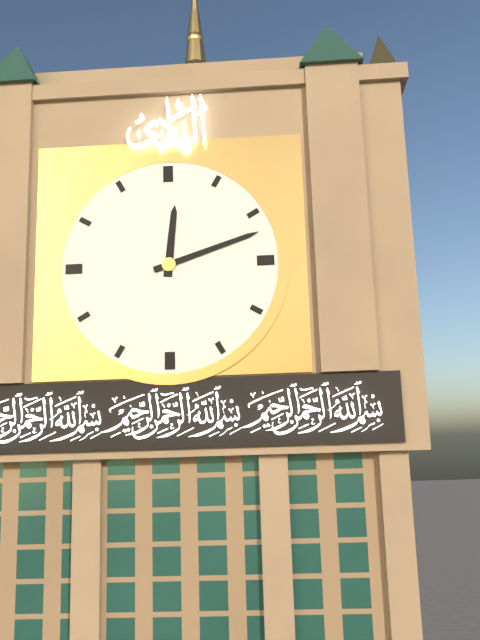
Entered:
12h12
